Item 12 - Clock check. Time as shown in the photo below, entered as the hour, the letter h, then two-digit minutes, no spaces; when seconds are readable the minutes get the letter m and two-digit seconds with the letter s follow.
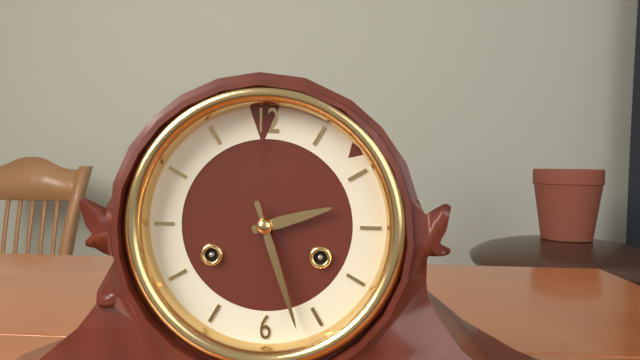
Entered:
2h27
